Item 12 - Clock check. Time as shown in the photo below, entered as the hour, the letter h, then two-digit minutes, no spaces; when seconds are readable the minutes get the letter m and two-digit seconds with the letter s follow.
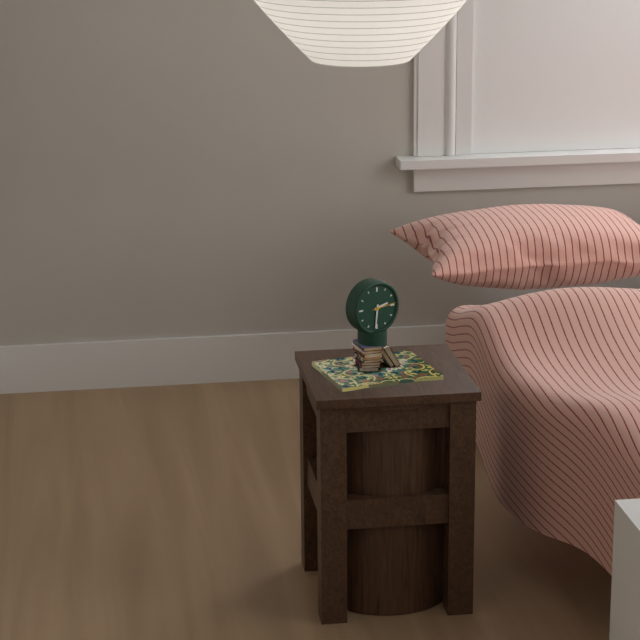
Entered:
2h31
